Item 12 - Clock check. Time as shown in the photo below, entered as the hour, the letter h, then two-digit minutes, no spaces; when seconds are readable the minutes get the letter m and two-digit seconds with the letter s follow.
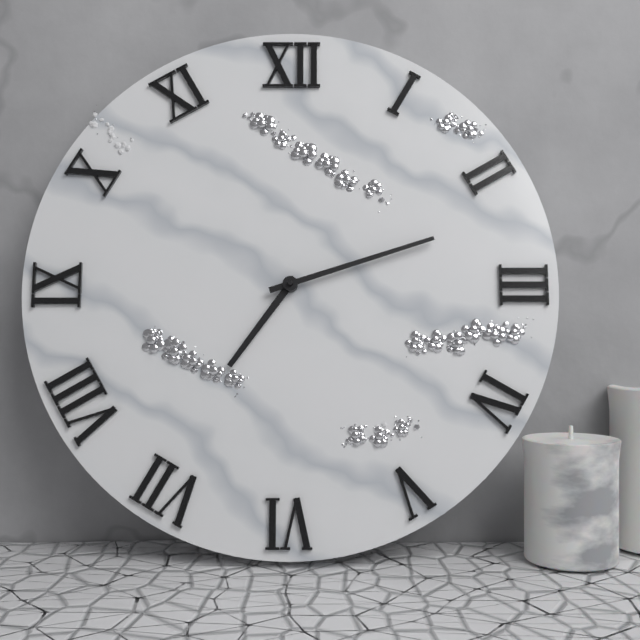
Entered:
7h12
